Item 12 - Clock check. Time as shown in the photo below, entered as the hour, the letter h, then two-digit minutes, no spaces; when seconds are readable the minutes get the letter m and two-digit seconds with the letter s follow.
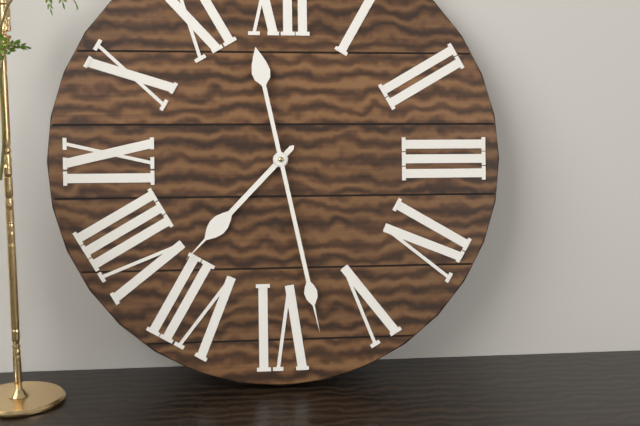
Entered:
7h28
